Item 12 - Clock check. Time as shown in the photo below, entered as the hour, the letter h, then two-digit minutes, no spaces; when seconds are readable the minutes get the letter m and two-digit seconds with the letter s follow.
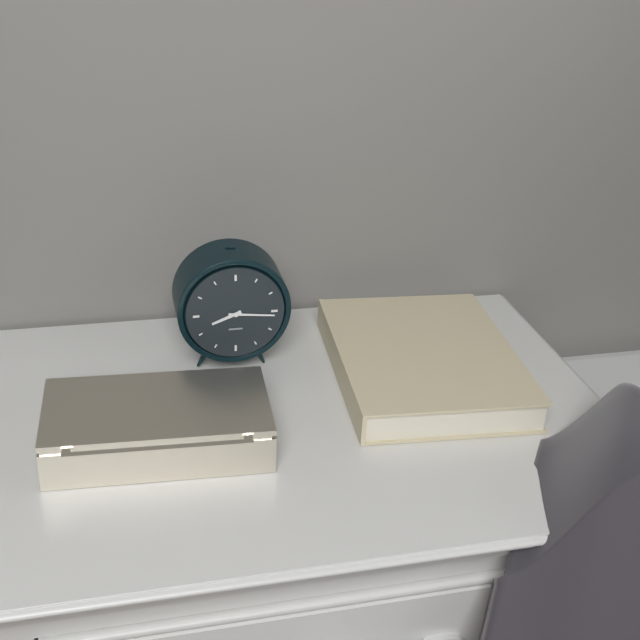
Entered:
8h16
